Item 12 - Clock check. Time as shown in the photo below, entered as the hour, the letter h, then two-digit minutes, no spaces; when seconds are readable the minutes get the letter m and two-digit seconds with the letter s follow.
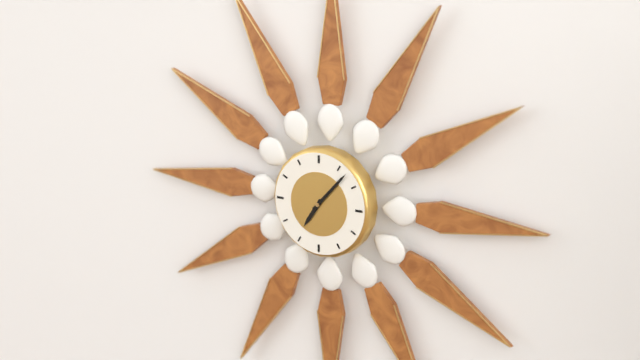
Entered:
7h07
